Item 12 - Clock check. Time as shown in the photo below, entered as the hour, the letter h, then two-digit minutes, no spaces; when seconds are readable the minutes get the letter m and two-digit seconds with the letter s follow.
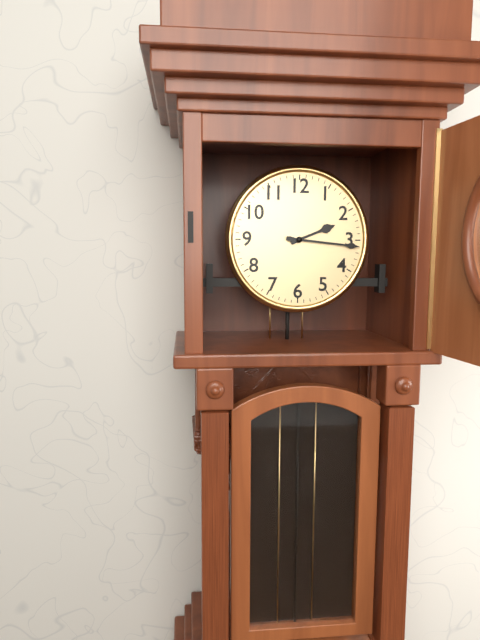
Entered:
2h16
